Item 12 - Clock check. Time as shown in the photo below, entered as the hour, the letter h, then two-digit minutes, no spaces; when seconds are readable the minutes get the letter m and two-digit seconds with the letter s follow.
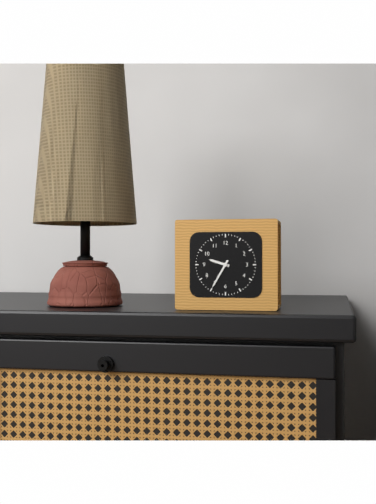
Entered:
9h35
